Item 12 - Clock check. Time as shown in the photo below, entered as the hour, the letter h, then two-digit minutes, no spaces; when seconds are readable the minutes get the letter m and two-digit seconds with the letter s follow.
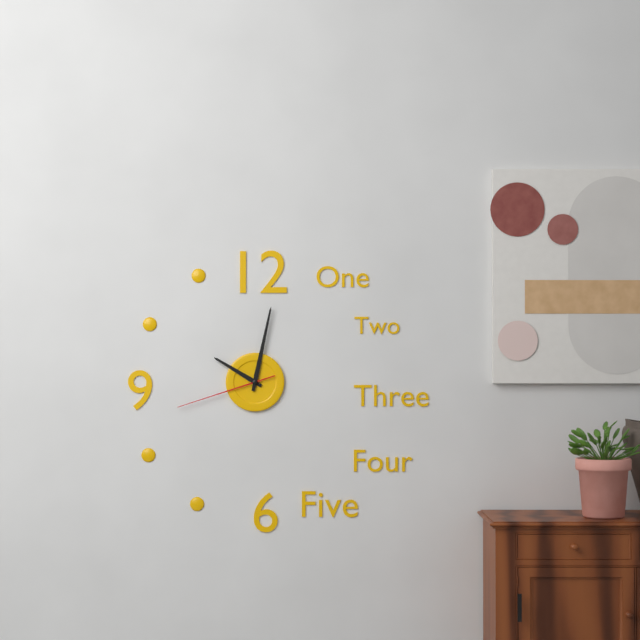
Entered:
10h02m42s
